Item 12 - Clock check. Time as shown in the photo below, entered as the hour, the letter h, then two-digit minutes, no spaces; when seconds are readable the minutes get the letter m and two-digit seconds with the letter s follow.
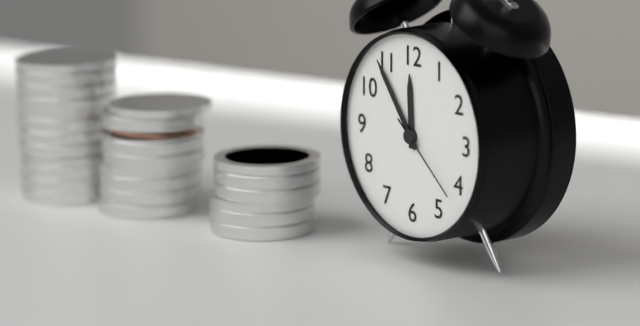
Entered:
11h54m22s
